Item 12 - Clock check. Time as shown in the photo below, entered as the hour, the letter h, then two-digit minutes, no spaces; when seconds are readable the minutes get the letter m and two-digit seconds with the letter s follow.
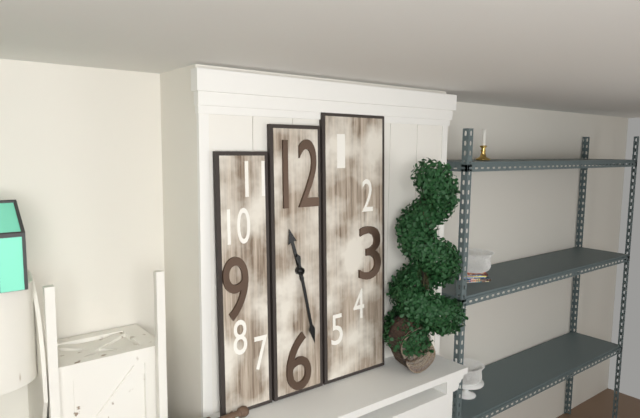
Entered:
11h28
